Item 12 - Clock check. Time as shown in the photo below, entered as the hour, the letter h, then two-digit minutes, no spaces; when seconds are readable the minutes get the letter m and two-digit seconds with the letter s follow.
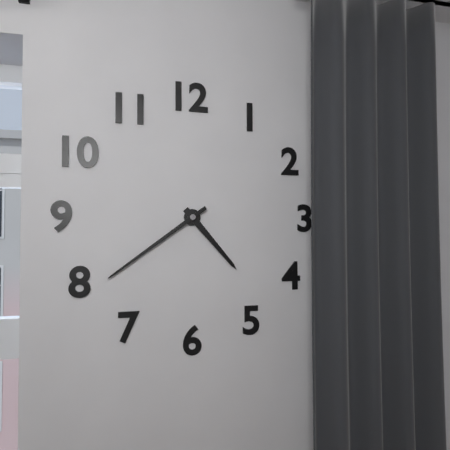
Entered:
4h39
